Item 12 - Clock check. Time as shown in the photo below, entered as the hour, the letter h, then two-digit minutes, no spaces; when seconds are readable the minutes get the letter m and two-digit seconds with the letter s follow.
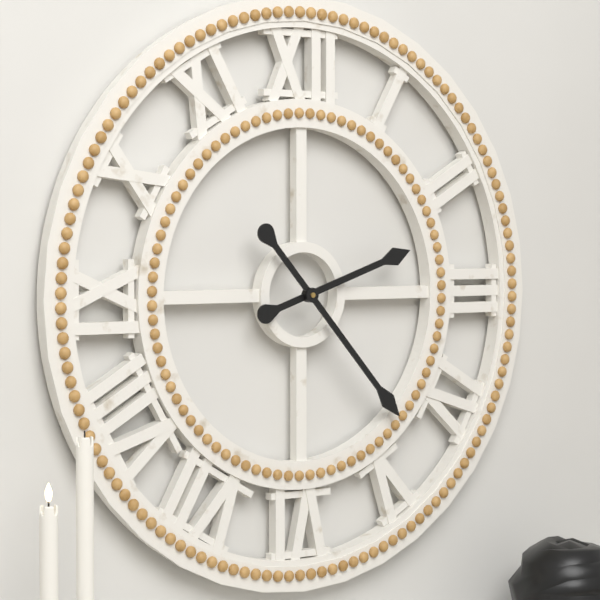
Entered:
2h23
